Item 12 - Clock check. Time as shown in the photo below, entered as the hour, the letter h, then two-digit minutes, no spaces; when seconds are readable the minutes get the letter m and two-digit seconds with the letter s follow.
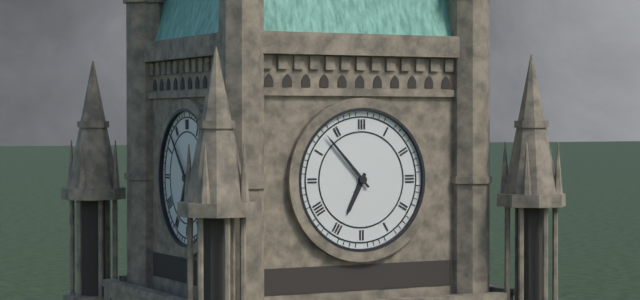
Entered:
6h53
